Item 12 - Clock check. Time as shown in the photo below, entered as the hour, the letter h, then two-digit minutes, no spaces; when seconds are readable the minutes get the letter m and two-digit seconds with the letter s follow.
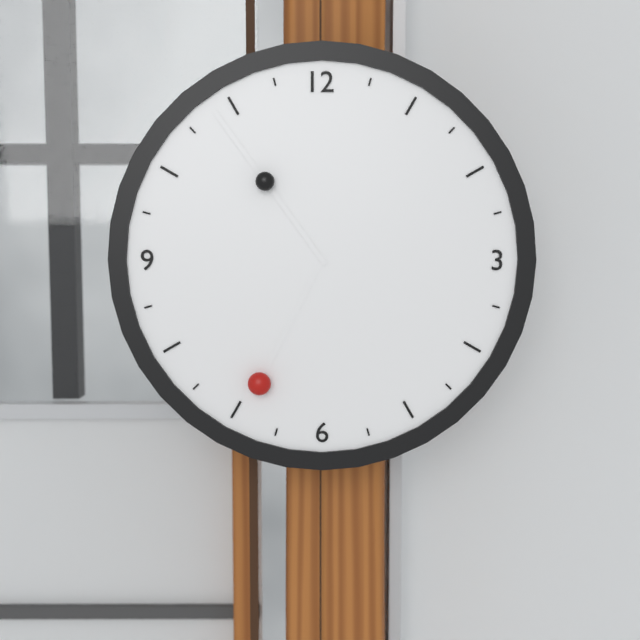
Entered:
6h54
